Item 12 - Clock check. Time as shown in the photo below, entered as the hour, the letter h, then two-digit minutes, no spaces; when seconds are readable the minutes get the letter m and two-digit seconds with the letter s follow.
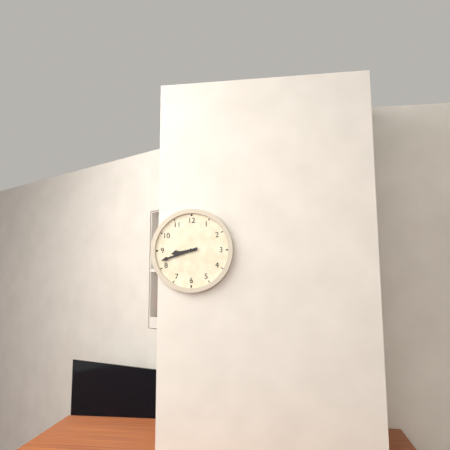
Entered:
8h42
